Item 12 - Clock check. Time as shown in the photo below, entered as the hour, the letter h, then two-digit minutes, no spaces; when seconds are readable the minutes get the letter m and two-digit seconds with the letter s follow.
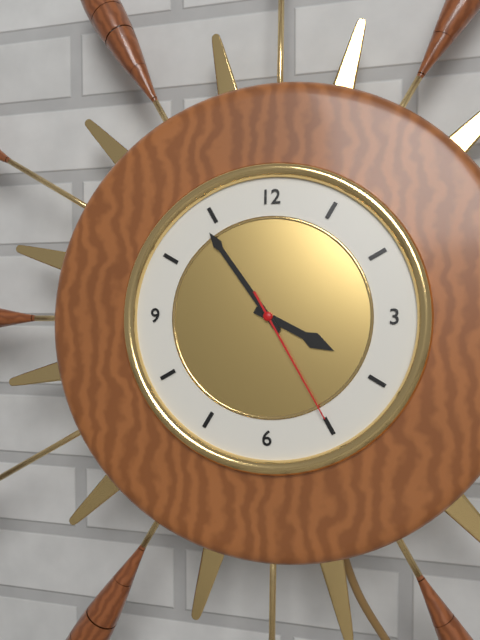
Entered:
3h54m25s
